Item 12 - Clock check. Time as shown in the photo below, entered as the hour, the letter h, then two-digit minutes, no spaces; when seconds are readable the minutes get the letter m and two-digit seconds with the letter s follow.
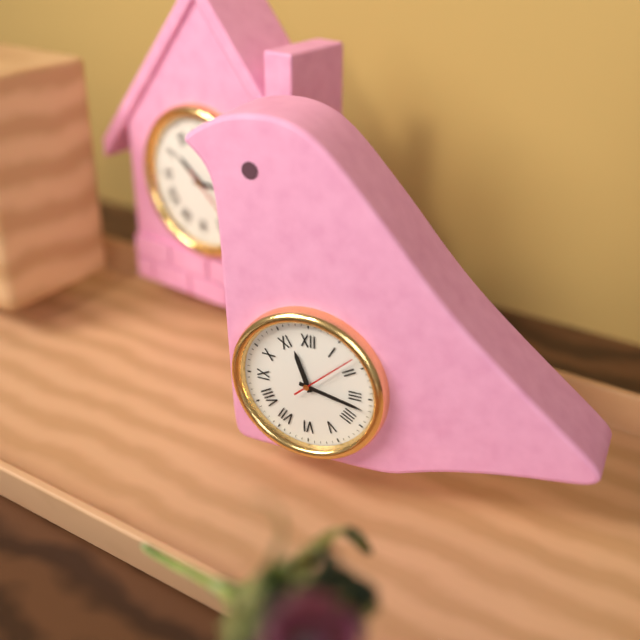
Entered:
11h17m08s
